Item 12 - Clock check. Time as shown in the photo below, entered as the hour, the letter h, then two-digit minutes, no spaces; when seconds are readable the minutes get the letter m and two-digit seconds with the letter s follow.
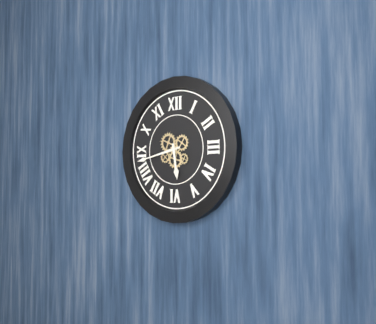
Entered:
5h43
